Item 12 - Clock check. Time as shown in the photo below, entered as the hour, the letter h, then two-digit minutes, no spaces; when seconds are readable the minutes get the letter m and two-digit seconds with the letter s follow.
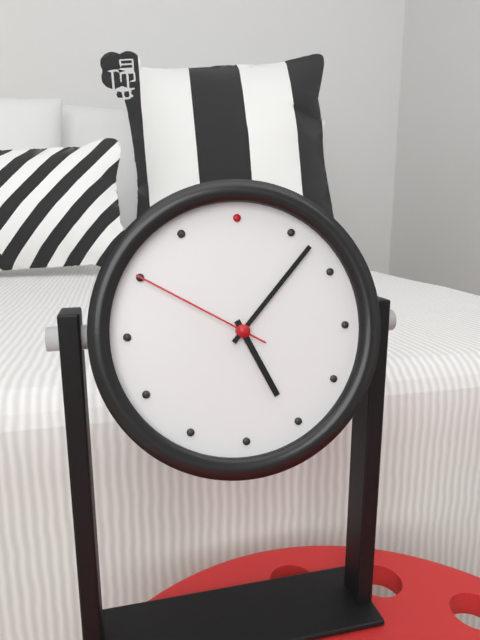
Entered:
5h07m50s
